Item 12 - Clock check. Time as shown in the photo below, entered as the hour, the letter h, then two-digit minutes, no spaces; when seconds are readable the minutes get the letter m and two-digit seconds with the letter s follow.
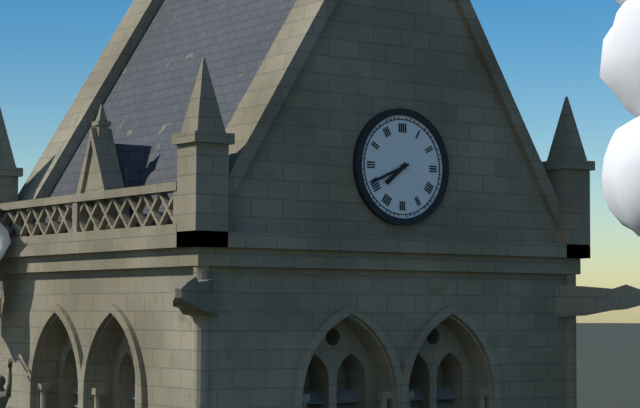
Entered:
7h41
